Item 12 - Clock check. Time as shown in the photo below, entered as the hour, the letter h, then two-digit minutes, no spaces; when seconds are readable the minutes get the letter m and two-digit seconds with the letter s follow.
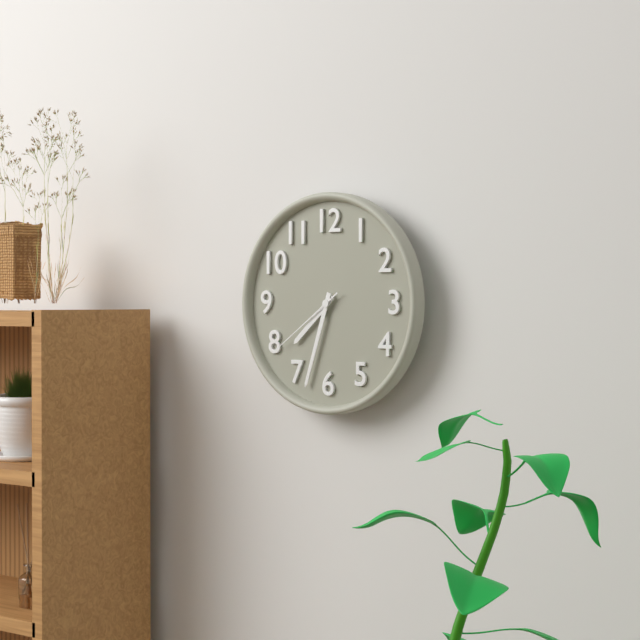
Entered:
7h33m39s
